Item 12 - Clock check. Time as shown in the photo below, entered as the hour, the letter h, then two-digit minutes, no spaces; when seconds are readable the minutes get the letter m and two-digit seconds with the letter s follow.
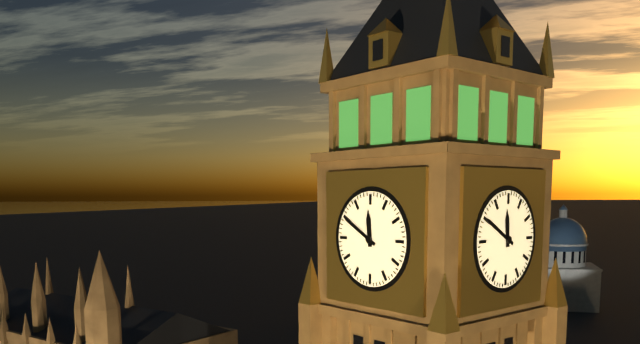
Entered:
11h50
